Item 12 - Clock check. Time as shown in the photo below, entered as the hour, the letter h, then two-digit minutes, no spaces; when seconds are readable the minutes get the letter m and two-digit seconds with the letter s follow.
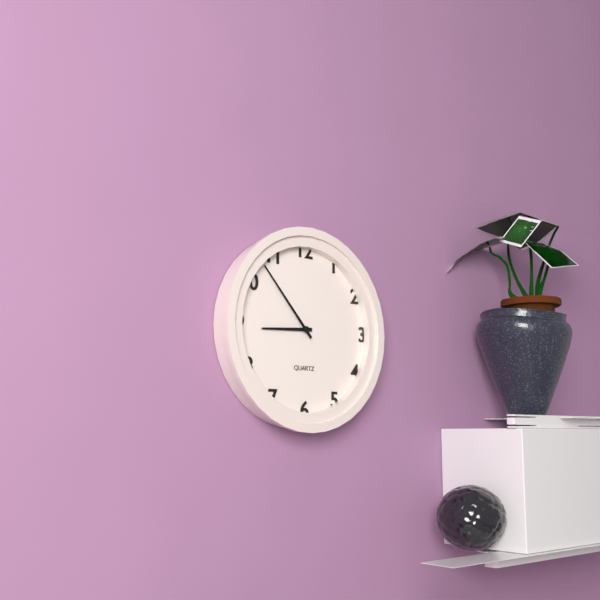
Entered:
8h53
